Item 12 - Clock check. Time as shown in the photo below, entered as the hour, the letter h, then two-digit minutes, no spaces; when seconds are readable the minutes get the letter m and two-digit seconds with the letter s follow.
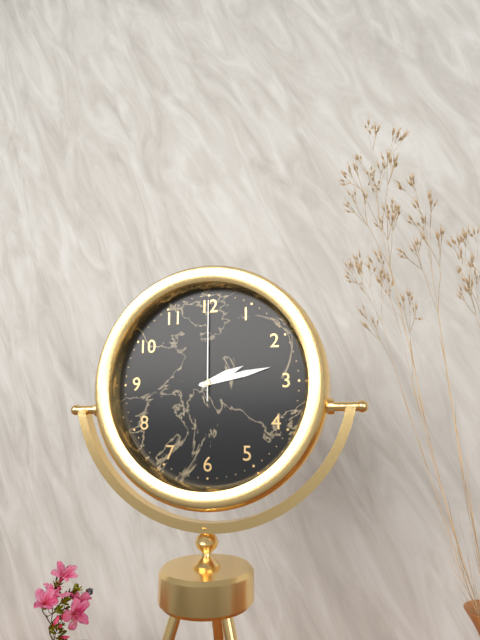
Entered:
2h13m00s
